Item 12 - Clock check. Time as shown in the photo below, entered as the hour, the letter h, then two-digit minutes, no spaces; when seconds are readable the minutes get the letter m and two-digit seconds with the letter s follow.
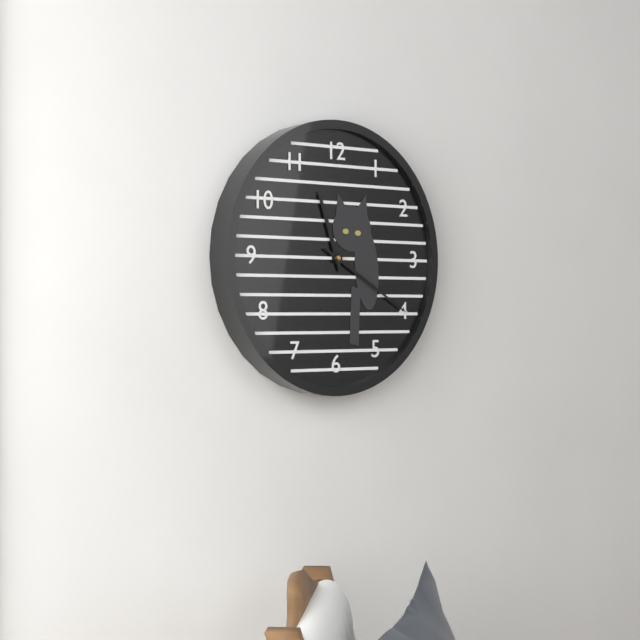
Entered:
11h20
